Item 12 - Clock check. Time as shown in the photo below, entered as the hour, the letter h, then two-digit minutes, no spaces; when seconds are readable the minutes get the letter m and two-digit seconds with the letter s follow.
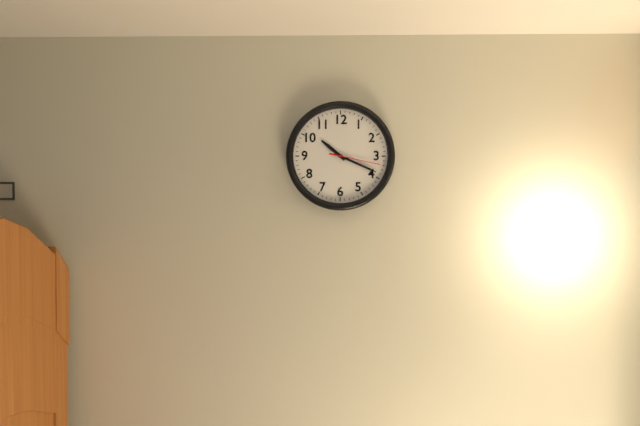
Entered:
10h19m17s
